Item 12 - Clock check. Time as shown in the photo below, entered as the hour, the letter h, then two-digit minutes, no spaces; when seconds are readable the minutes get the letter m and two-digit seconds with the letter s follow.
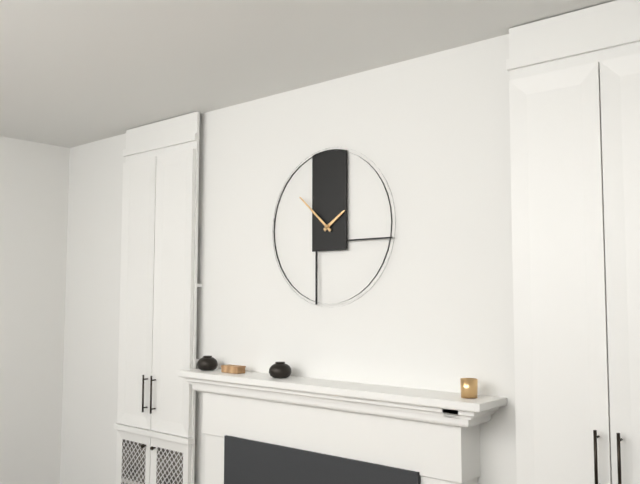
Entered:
1h52
